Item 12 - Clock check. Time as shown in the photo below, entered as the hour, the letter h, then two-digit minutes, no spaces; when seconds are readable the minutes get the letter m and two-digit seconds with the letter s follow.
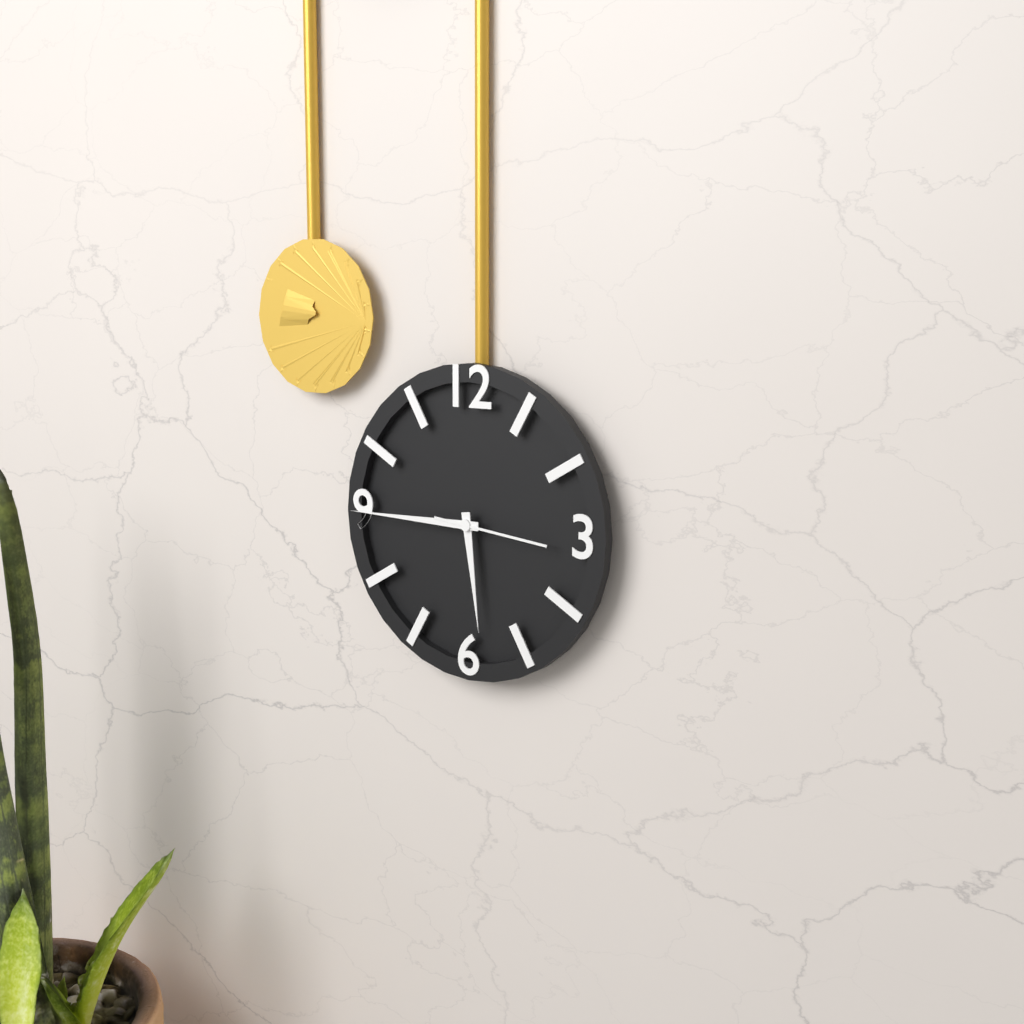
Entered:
5h45m16s
